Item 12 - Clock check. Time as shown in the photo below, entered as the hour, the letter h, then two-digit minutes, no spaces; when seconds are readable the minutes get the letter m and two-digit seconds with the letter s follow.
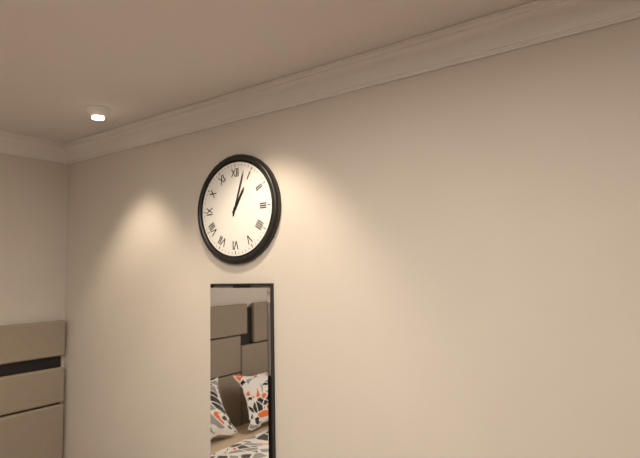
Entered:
1h03
